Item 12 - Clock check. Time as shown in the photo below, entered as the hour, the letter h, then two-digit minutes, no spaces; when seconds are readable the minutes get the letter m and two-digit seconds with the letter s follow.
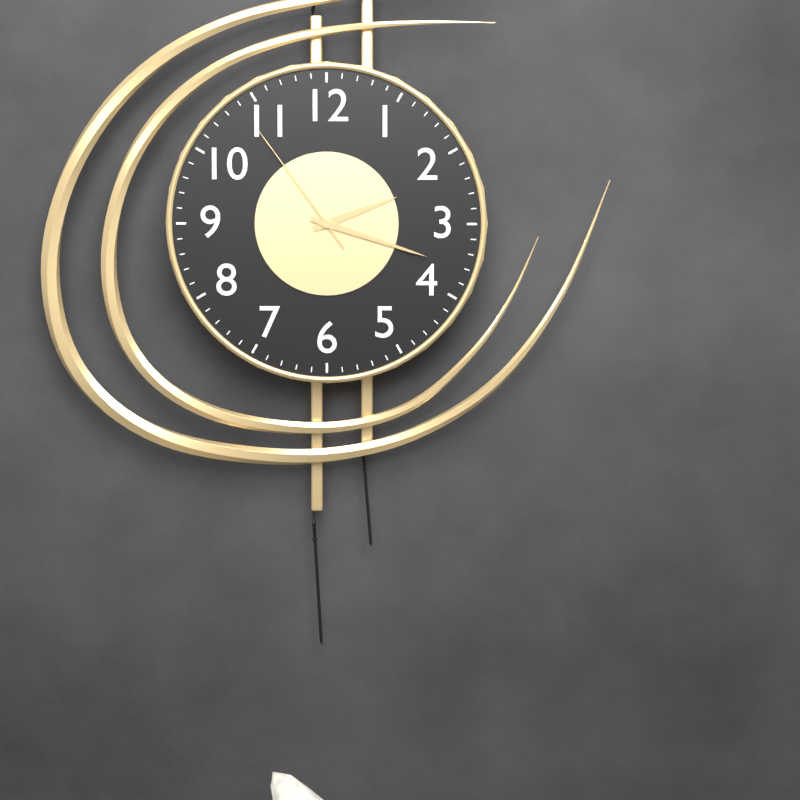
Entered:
2h18m54s
